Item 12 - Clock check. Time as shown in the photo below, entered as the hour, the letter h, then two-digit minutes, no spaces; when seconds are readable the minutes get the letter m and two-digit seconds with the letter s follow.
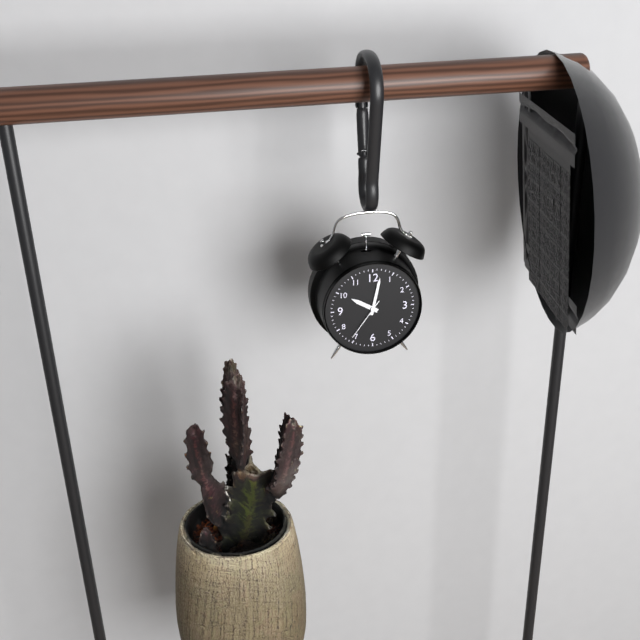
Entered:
10h02
